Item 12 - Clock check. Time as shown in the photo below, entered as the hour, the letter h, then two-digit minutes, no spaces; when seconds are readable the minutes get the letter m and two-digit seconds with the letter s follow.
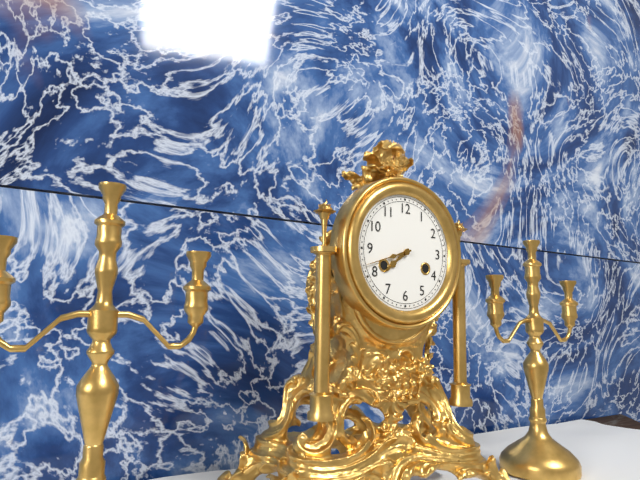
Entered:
7h42
